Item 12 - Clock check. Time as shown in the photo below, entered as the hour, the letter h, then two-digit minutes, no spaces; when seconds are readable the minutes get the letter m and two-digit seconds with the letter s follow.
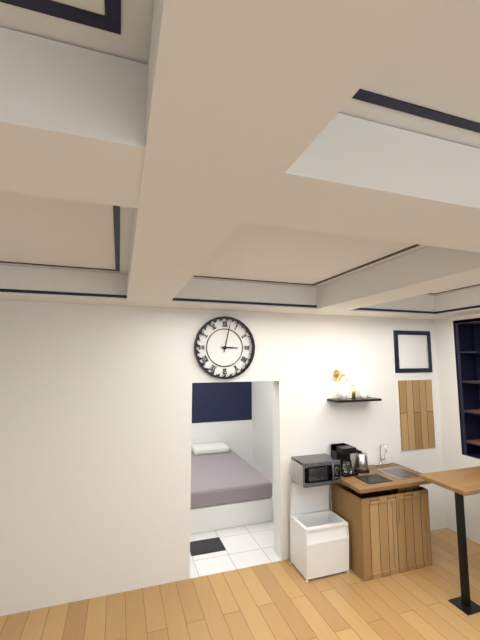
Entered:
3h02
